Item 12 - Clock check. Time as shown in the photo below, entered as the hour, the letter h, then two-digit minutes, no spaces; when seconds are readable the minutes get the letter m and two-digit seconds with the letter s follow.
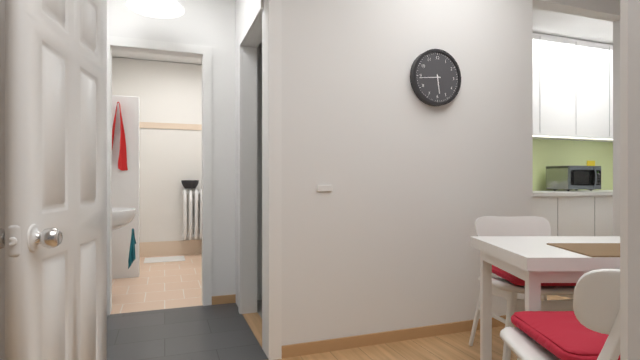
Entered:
5h44
